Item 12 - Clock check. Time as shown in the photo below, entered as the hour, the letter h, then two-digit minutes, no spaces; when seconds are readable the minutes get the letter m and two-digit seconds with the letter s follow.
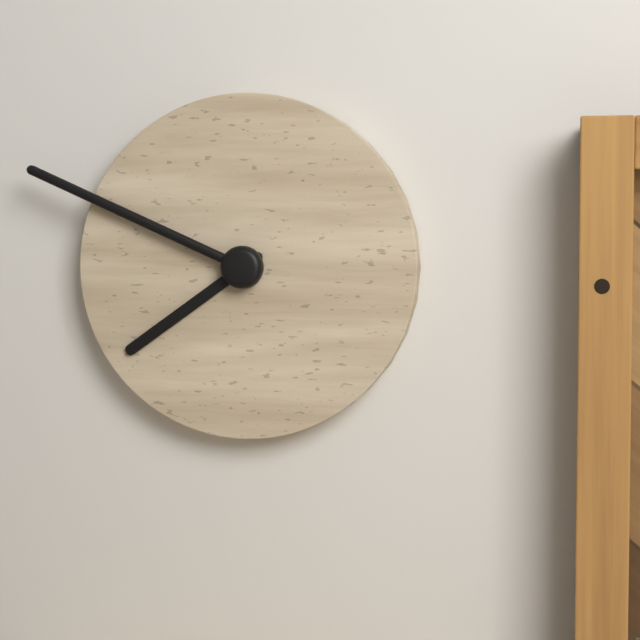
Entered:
7h49
